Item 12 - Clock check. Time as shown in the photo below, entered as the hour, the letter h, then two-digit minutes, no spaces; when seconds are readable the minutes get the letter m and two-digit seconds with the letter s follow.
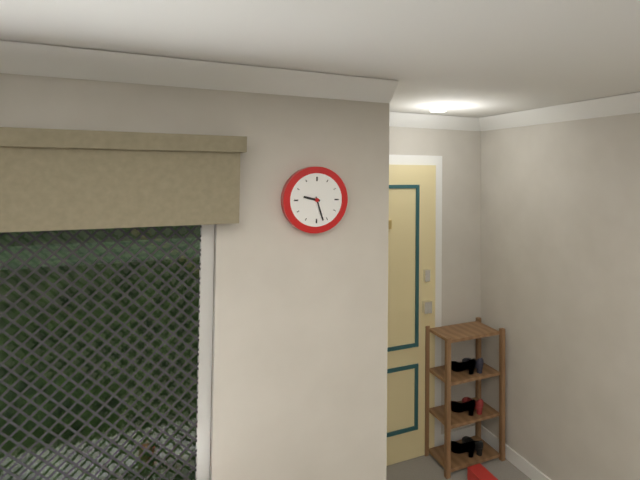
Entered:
9h27
